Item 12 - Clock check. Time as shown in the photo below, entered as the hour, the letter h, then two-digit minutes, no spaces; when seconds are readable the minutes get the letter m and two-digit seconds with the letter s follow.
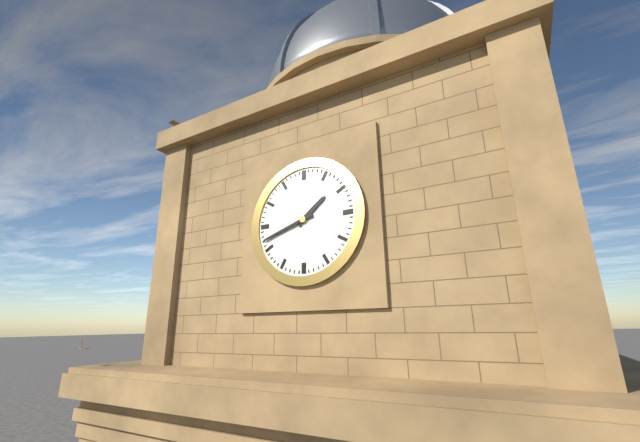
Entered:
1h42
